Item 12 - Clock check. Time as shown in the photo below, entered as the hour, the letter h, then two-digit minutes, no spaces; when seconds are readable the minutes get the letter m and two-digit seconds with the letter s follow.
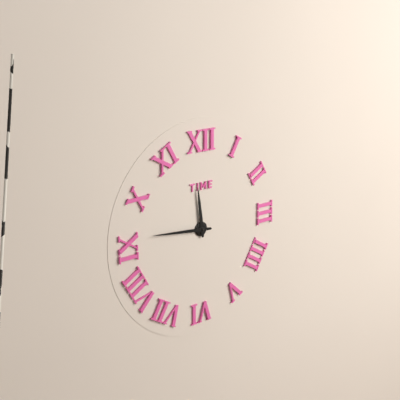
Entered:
11h46
